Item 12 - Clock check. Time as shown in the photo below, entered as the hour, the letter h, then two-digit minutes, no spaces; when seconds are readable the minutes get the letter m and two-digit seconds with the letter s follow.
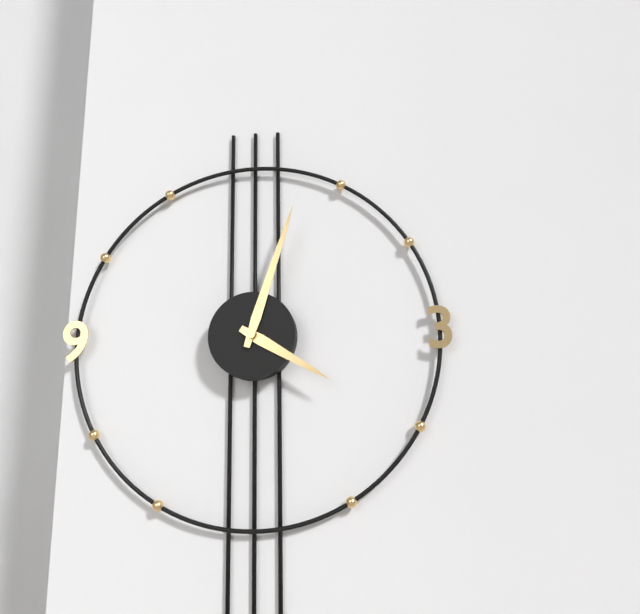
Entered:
4h03
